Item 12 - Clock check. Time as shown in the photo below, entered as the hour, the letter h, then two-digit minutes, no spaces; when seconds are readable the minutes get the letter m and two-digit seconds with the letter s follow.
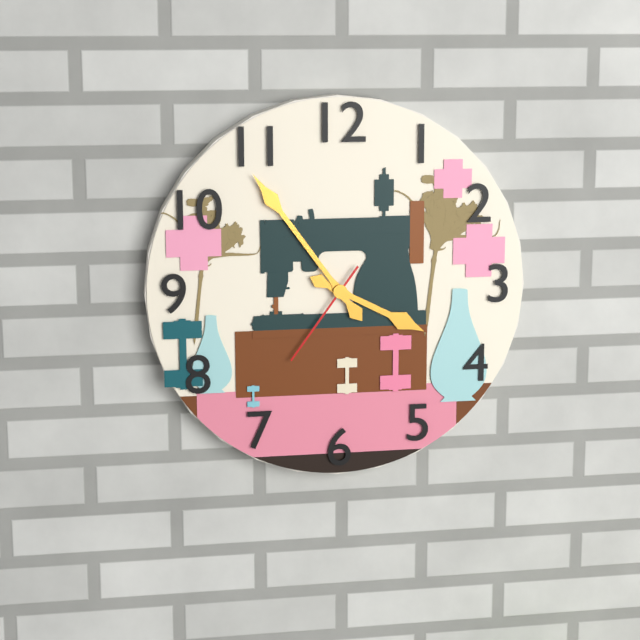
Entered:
3h54m36s
